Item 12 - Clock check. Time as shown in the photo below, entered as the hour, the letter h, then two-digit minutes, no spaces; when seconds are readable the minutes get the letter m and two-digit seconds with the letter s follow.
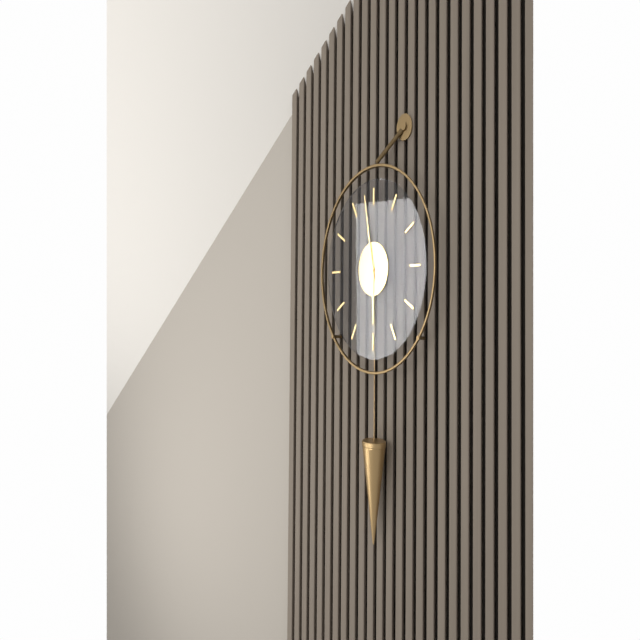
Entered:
5h58
